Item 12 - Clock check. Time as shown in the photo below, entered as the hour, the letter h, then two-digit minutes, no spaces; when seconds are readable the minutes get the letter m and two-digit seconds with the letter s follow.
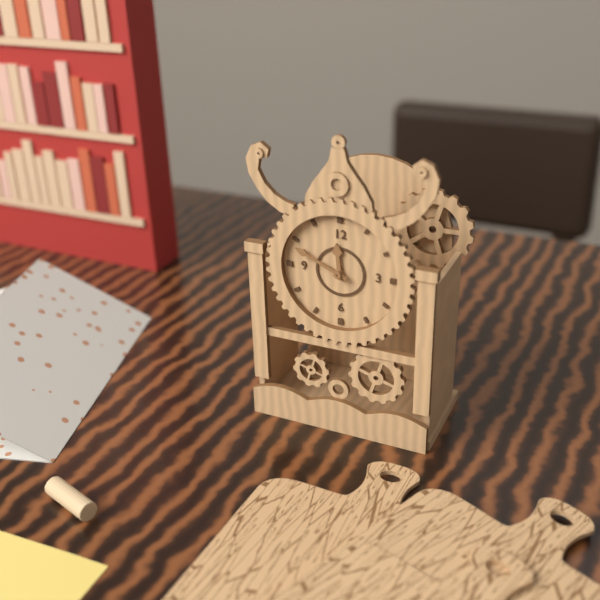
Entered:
11h49
